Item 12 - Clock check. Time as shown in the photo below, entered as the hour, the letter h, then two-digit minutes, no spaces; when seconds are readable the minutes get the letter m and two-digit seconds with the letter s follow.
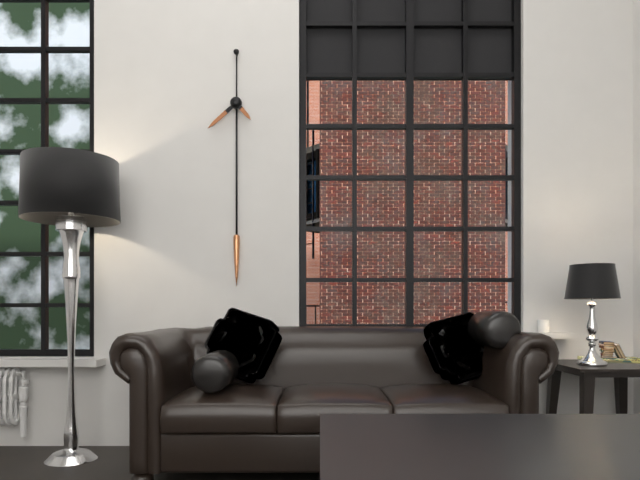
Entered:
4h38
